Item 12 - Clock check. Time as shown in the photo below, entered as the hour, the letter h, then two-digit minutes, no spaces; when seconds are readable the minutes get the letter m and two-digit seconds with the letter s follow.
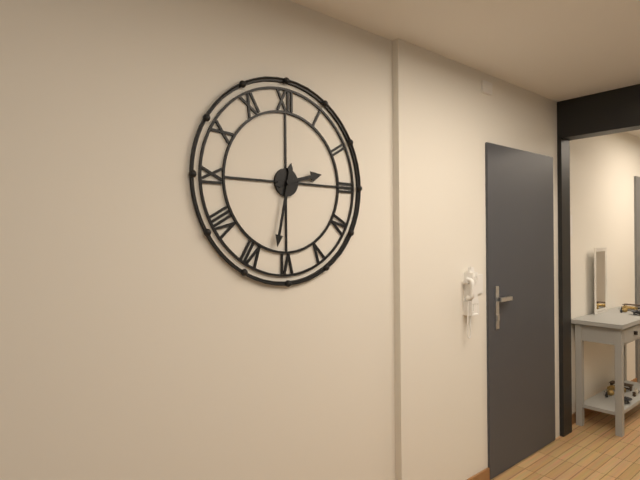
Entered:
2h32
